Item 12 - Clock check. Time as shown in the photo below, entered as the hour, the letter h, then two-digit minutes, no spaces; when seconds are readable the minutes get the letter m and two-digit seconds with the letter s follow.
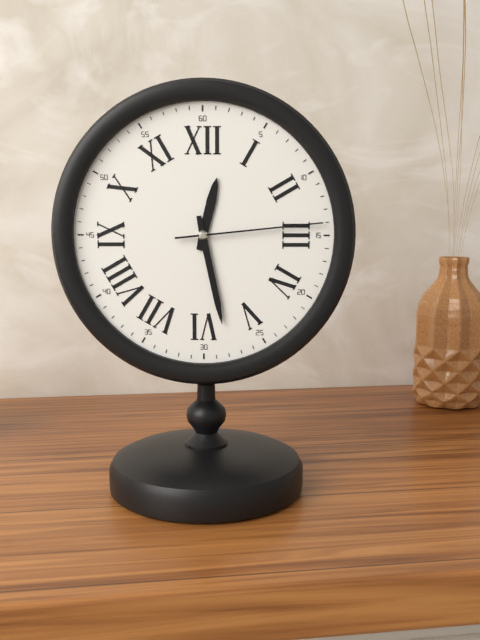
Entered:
12h28m14s
